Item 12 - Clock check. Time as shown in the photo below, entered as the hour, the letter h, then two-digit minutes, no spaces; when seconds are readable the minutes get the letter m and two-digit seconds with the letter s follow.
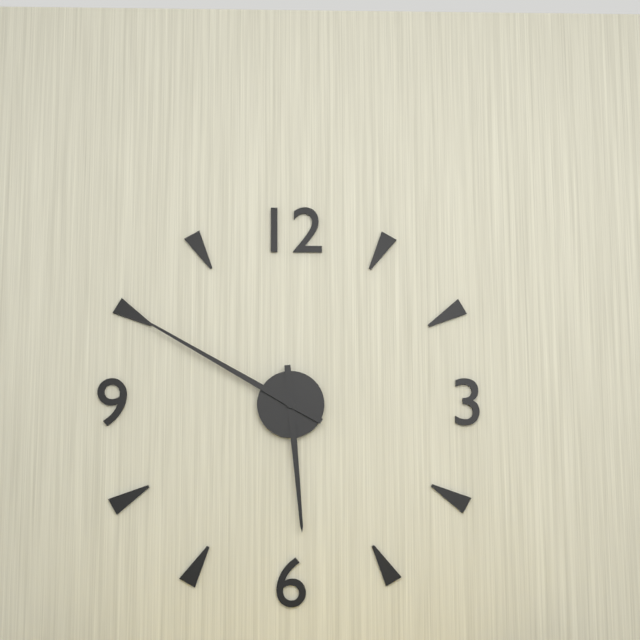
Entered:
5h50
